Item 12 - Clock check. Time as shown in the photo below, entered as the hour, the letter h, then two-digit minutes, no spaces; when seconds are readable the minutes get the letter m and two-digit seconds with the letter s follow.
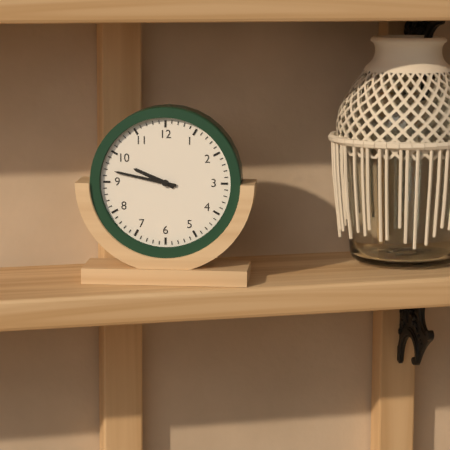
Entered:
9h47
